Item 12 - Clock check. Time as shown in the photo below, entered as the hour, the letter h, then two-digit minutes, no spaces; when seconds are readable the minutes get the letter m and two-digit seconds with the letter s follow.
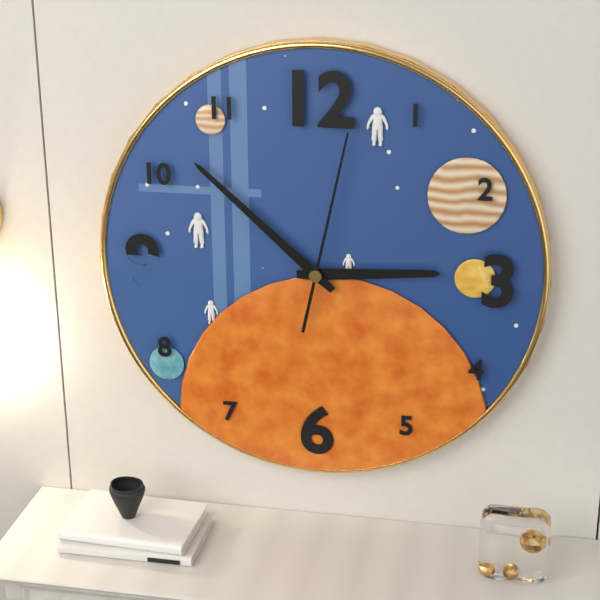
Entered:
2h52m02s
